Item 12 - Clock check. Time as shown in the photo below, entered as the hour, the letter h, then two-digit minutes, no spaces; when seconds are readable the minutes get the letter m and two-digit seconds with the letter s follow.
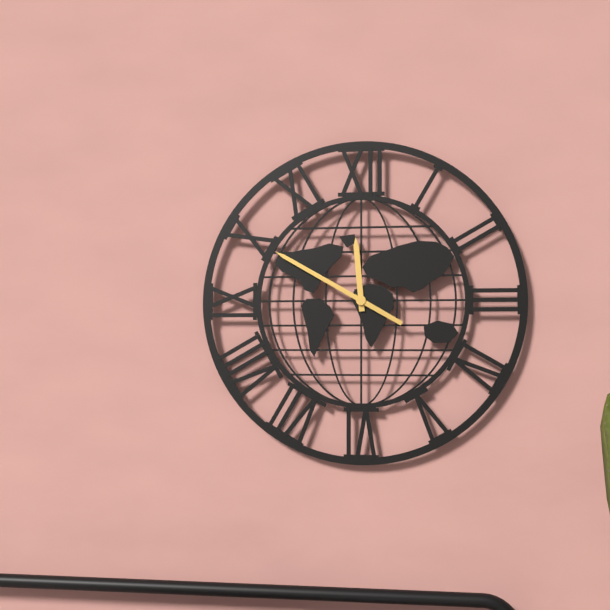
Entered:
11h50
